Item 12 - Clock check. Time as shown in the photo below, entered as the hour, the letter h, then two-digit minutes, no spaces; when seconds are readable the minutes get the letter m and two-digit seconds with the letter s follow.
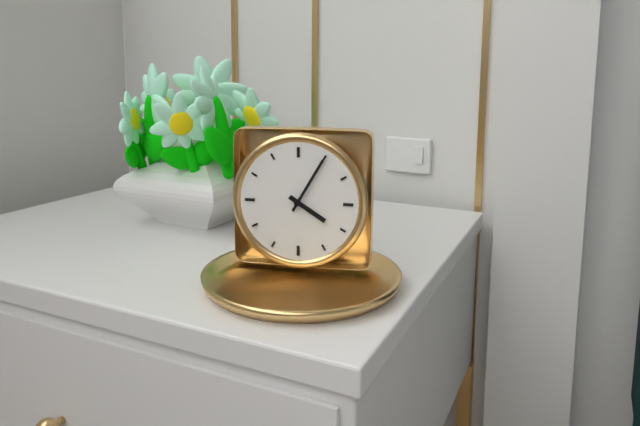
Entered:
4h05
